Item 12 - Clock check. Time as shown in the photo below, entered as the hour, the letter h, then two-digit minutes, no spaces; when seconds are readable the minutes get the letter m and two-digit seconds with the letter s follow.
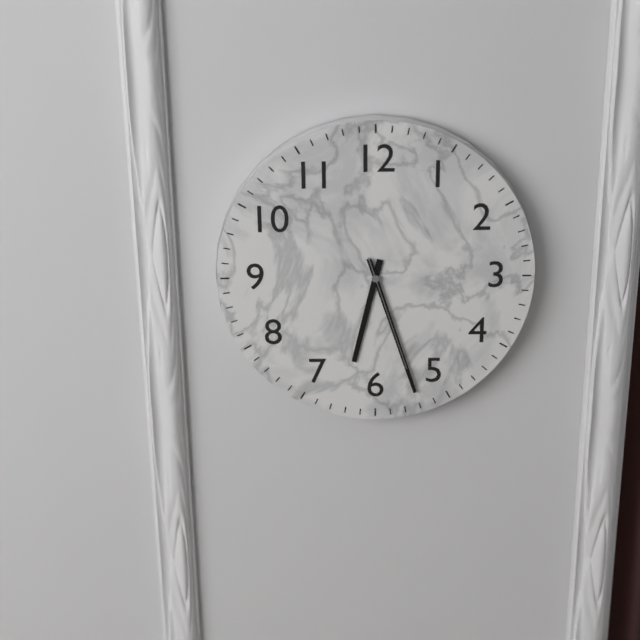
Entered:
6h27m27s
